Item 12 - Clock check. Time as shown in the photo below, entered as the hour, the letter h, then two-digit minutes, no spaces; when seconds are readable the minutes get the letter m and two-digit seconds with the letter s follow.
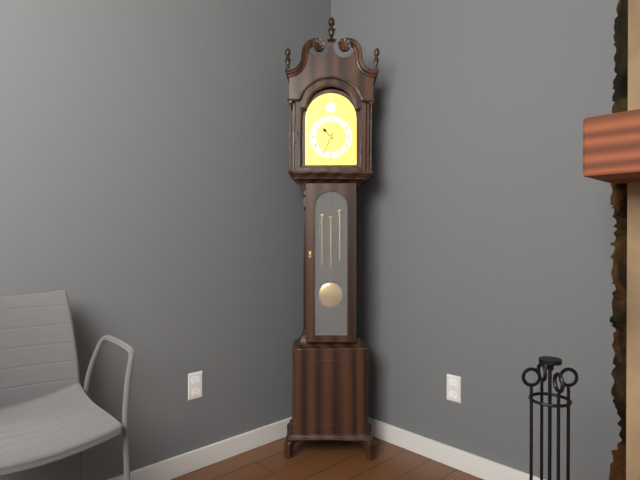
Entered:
10h34
